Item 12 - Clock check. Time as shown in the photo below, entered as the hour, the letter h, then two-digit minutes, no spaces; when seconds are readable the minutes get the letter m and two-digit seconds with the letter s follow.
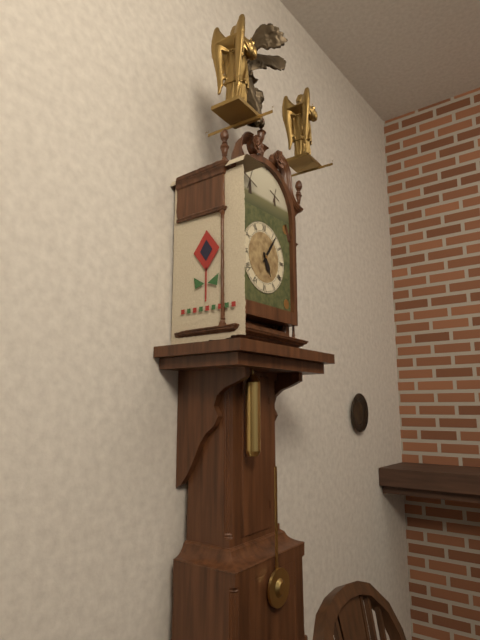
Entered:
5h06
